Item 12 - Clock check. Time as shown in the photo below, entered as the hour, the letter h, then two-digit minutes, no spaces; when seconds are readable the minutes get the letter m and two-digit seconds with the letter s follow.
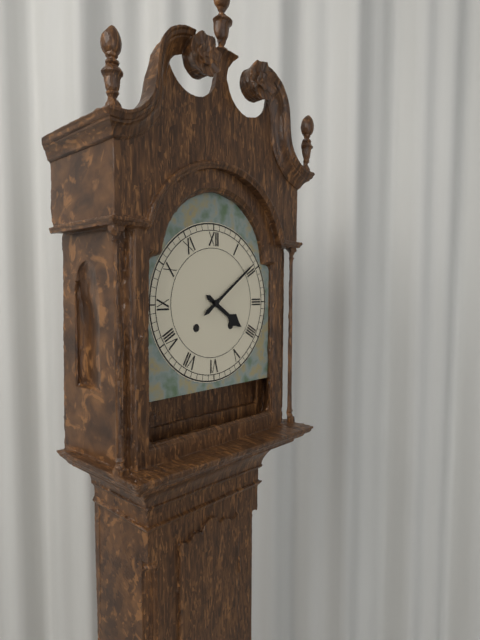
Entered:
4h09
